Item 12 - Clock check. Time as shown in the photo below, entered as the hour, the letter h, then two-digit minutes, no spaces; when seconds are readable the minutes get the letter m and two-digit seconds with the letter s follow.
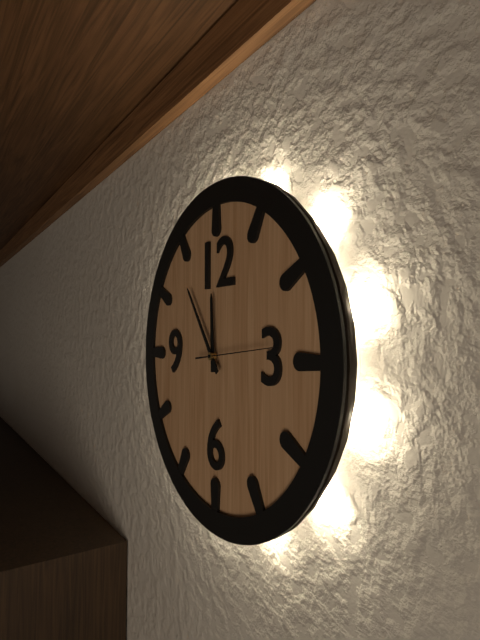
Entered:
11h54m14s
